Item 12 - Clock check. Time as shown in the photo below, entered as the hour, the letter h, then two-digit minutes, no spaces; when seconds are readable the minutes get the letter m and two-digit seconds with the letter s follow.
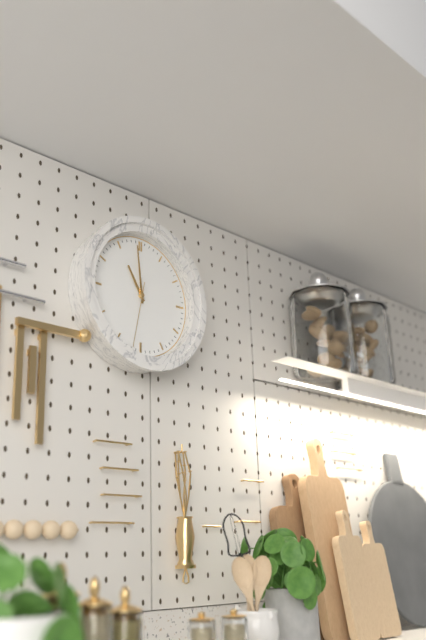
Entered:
10h59m32s
